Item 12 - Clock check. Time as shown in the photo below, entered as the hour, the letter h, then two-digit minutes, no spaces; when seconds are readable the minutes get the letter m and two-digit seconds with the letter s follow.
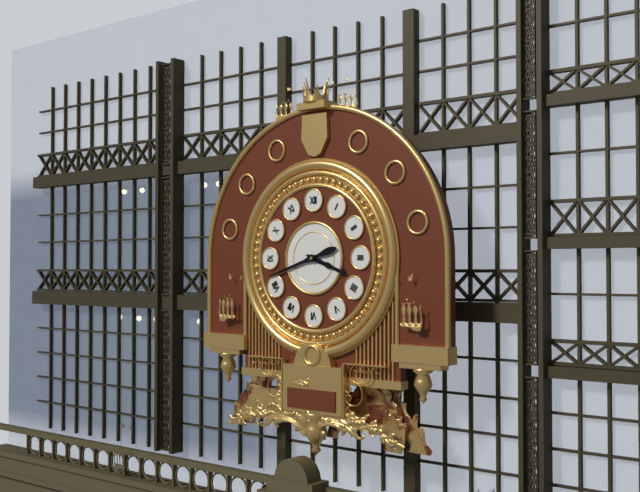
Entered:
3h42
